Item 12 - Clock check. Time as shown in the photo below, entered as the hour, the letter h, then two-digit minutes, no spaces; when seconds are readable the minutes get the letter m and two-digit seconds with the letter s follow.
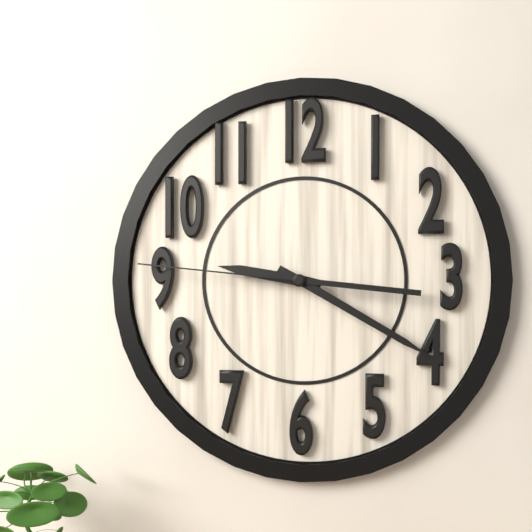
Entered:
9h20m46s
